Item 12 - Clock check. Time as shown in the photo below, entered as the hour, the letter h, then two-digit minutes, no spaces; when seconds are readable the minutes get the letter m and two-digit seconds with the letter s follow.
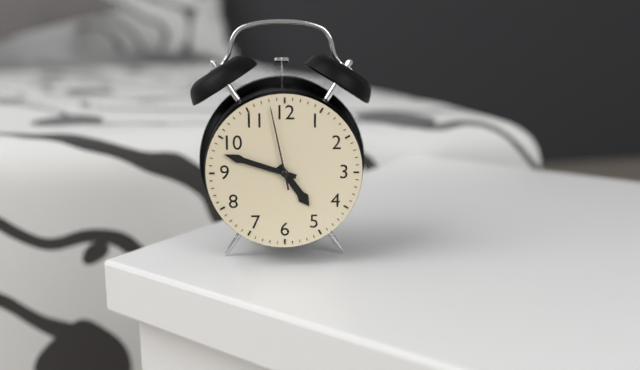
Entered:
4h48m58s
